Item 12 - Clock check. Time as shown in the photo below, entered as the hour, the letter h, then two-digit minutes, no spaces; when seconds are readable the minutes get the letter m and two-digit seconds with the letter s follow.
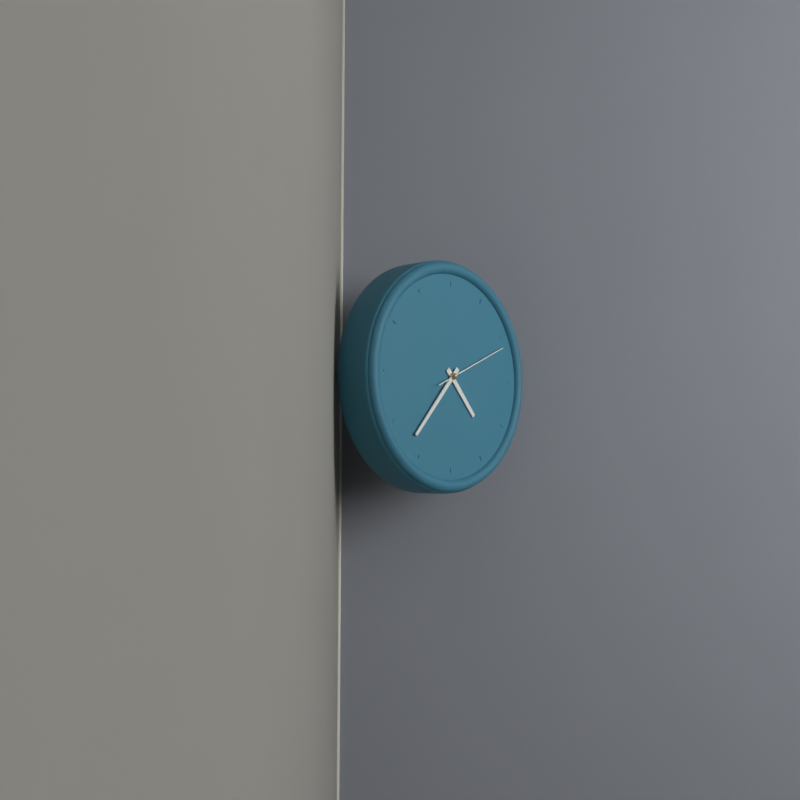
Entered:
4h37m11s
